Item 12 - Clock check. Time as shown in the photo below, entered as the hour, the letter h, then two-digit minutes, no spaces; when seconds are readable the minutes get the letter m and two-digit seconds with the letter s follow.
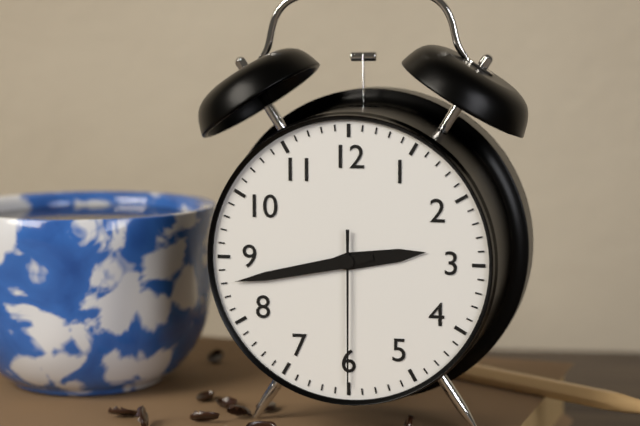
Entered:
2h43m30s
